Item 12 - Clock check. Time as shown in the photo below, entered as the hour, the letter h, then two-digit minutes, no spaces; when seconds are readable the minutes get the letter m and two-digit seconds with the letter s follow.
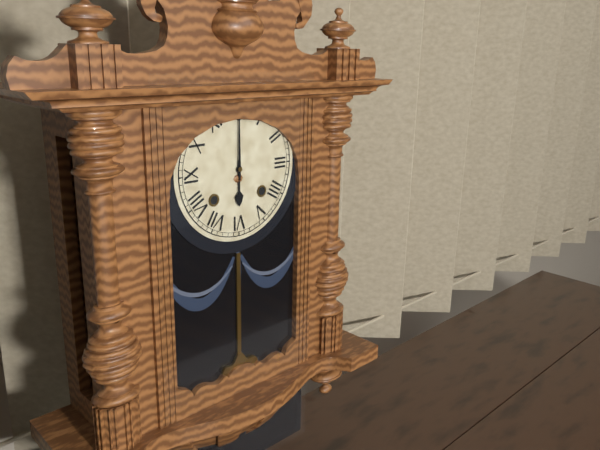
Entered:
6h00
